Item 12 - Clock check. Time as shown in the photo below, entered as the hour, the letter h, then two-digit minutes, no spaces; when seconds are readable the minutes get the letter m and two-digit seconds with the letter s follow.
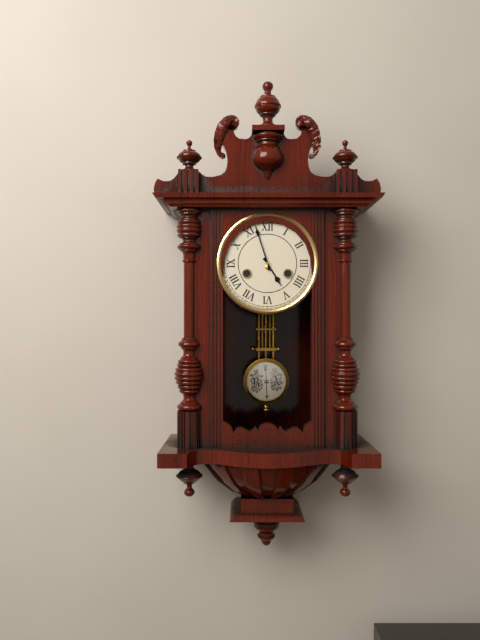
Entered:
4h57
